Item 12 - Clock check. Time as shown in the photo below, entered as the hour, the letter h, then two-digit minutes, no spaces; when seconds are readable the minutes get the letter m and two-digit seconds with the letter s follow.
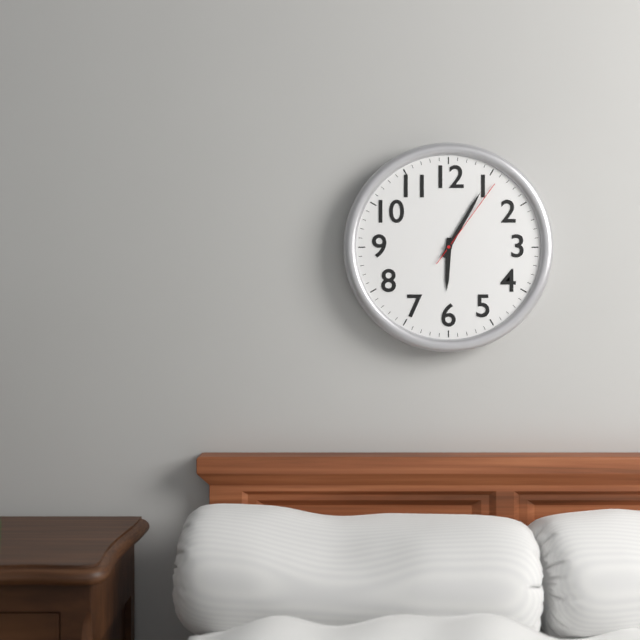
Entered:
6h05m06s
